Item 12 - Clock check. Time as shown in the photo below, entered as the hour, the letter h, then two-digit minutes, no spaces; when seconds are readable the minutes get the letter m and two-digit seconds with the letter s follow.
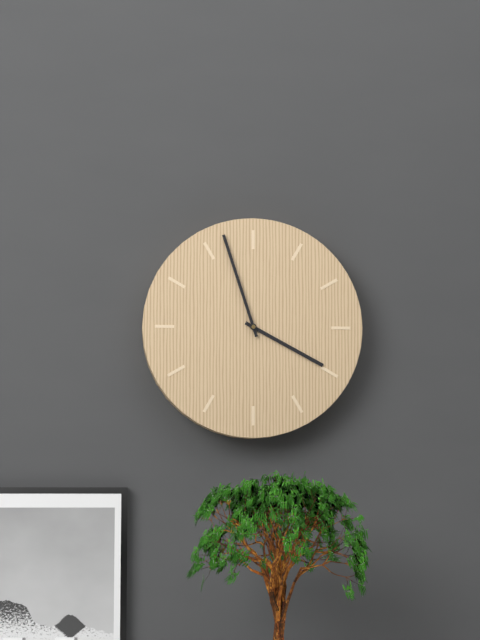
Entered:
3h57
